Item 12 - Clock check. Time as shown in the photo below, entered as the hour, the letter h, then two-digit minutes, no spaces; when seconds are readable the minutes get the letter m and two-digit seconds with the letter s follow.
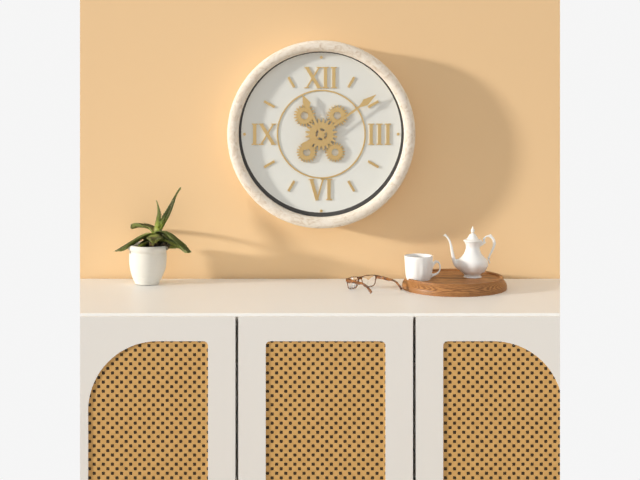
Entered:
11h09
